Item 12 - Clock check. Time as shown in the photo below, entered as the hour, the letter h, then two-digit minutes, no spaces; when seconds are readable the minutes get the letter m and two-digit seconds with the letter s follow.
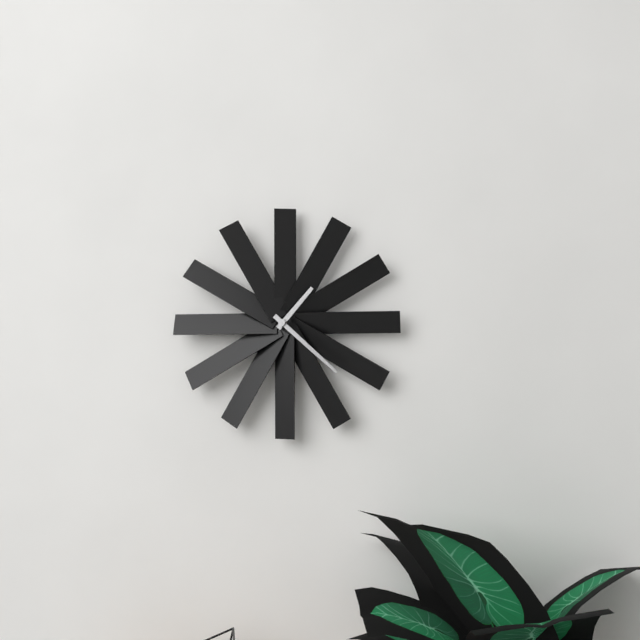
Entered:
1h22
